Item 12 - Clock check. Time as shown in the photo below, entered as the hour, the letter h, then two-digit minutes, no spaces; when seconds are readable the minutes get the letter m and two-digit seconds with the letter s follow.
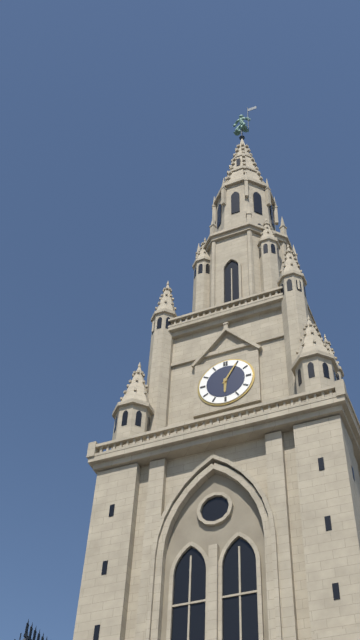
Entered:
6h05
